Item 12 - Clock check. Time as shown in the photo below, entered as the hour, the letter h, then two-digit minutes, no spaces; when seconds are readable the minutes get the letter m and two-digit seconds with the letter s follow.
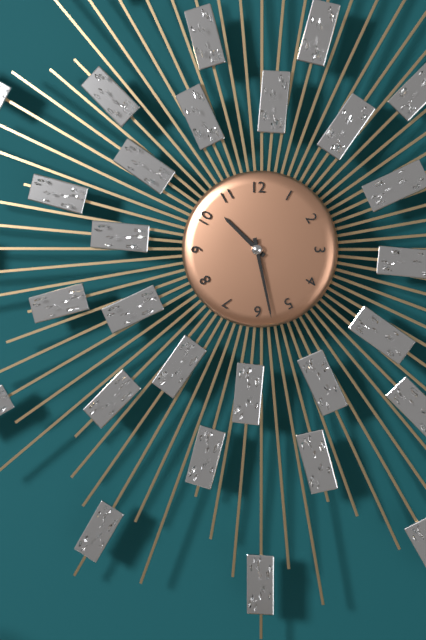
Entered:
10h28
